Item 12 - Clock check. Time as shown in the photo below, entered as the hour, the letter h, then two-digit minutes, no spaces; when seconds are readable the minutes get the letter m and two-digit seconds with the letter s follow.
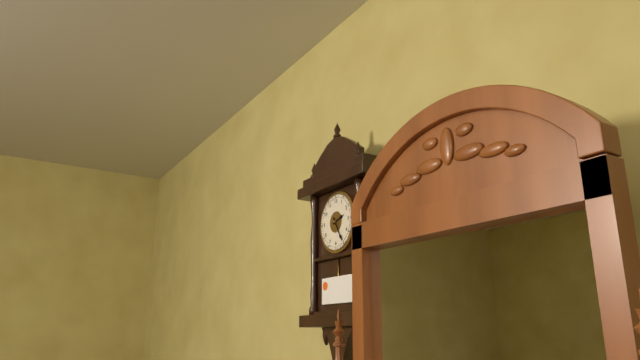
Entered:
2h25
